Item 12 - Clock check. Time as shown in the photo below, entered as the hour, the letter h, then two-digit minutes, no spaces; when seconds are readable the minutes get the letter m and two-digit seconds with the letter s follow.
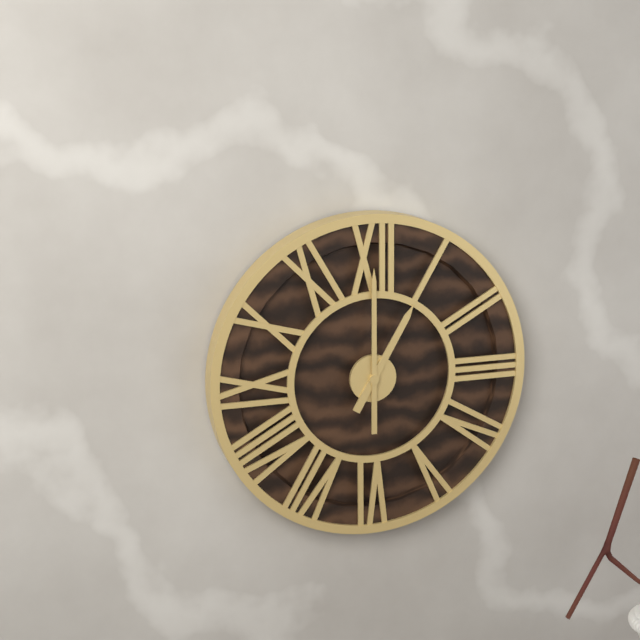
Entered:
1h00
